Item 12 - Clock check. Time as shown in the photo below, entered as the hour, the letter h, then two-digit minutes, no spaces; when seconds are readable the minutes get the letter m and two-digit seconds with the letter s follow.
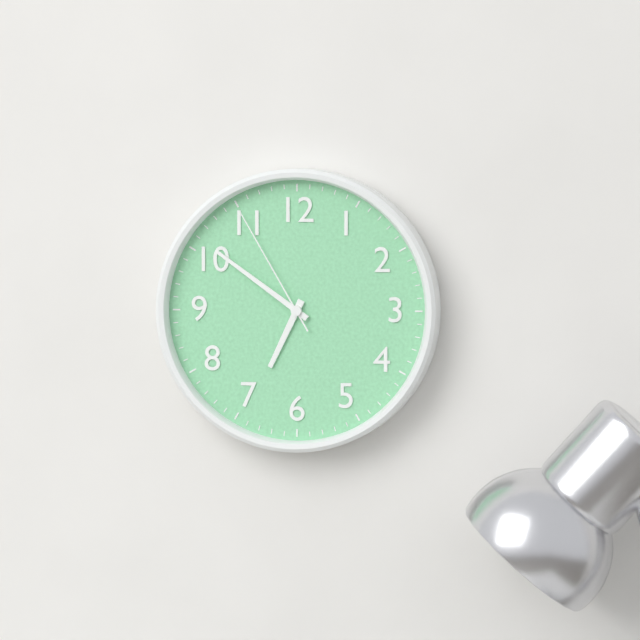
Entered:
6h51m55s
